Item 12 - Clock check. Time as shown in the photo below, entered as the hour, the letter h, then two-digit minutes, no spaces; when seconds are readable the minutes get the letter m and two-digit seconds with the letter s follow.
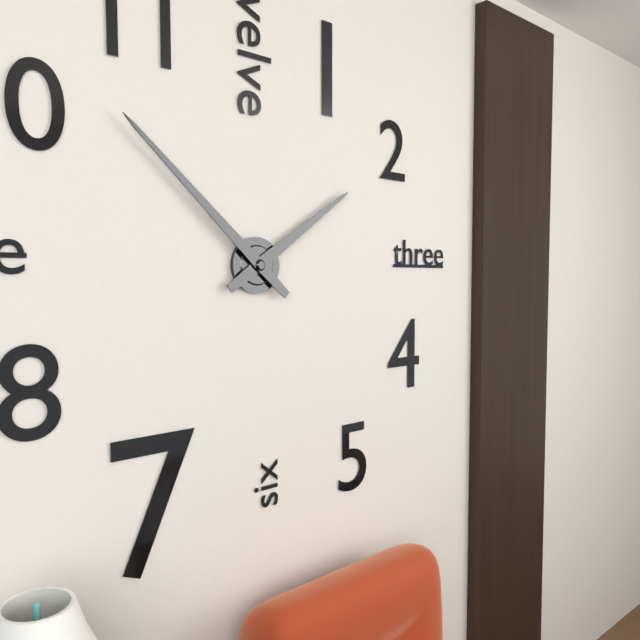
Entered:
1h52
